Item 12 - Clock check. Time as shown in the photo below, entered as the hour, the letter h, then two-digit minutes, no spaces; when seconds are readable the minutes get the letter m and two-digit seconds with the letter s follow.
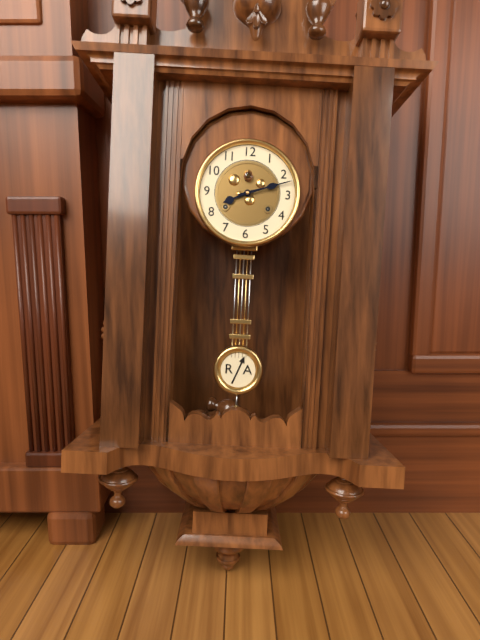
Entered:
8h12
